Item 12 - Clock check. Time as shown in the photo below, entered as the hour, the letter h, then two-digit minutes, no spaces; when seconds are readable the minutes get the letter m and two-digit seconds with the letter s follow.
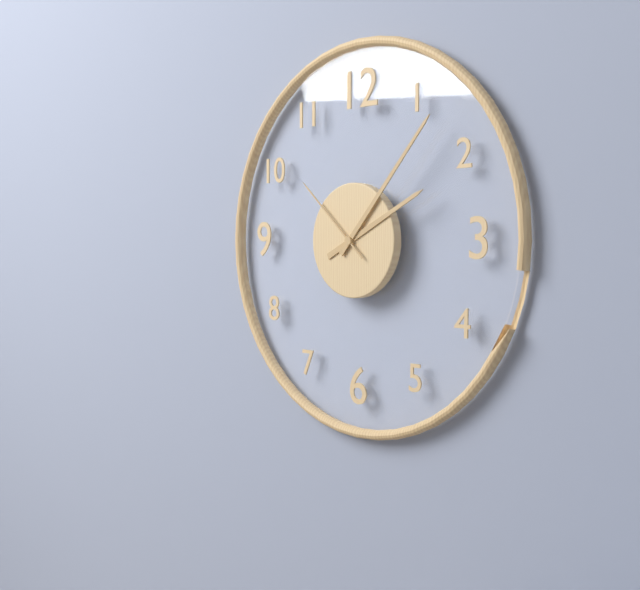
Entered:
2h07m52s
